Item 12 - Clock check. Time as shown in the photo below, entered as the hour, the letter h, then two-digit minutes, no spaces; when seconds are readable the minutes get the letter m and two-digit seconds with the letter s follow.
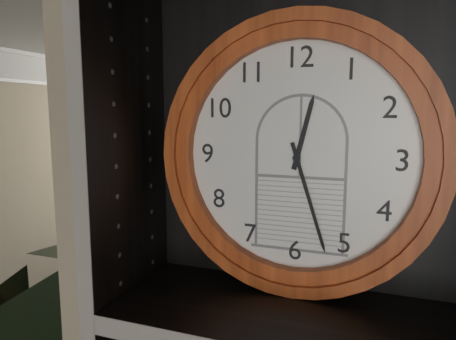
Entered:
12h27
